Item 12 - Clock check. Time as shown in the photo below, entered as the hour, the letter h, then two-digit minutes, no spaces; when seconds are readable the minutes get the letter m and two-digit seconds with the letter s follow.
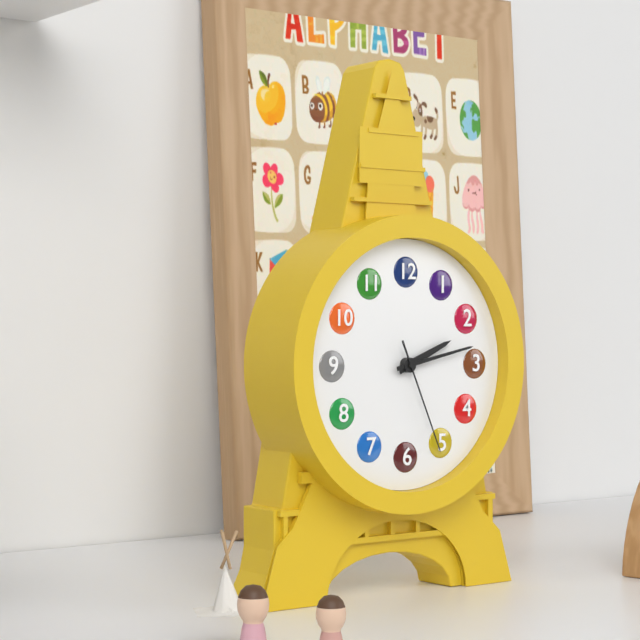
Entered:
2h13m26s
